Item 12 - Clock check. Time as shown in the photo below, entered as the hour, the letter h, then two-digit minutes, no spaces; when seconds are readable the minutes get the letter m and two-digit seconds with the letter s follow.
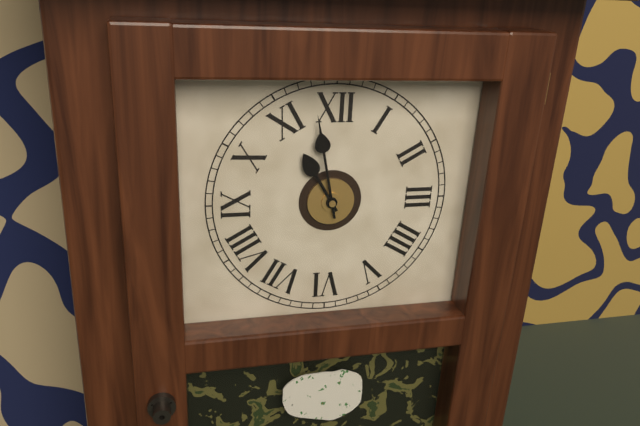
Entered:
10h58
